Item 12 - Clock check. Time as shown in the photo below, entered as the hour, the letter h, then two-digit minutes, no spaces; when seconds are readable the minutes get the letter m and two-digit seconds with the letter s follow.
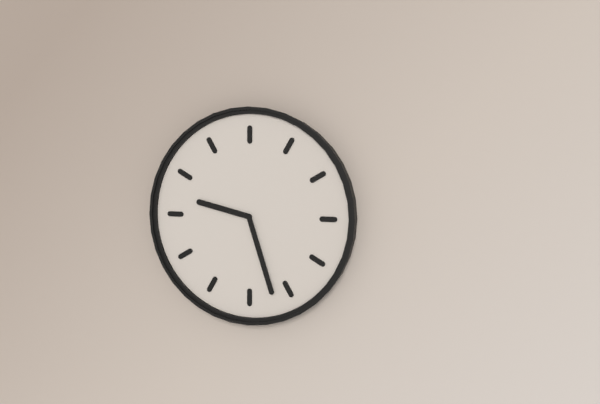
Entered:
9h27
